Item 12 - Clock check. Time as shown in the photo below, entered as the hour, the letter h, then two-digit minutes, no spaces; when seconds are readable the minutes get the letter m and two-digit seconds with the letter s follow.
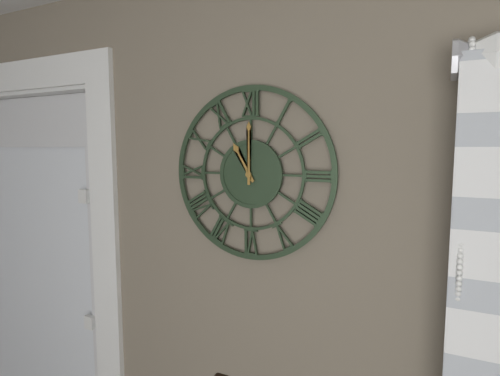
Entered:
11h00
